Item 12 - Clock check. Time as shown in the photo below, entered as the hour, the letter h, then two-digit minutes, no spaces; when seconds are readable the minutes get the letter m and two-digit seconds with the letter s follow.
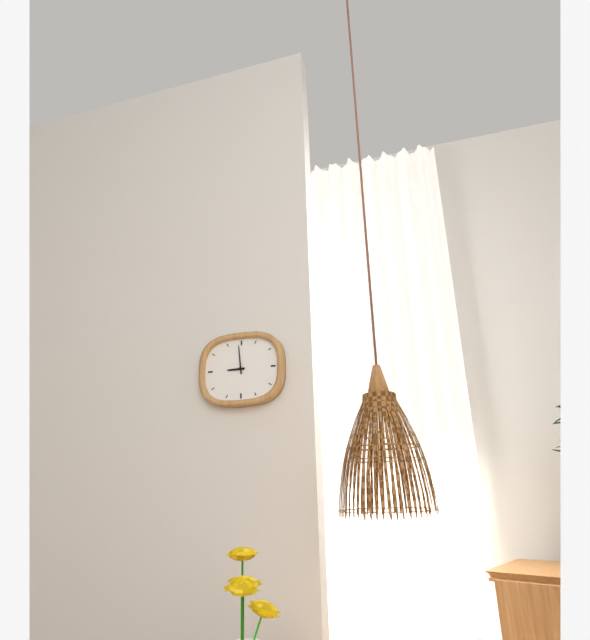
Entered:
8h59
